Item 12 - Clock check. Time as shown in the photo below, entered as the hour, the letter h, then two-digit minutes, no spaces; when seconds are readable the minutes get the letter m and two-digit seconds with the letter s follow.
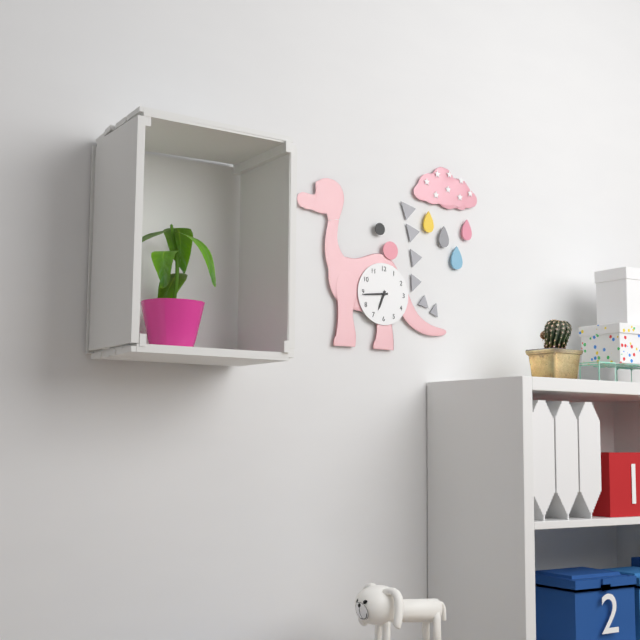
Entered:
6h44
